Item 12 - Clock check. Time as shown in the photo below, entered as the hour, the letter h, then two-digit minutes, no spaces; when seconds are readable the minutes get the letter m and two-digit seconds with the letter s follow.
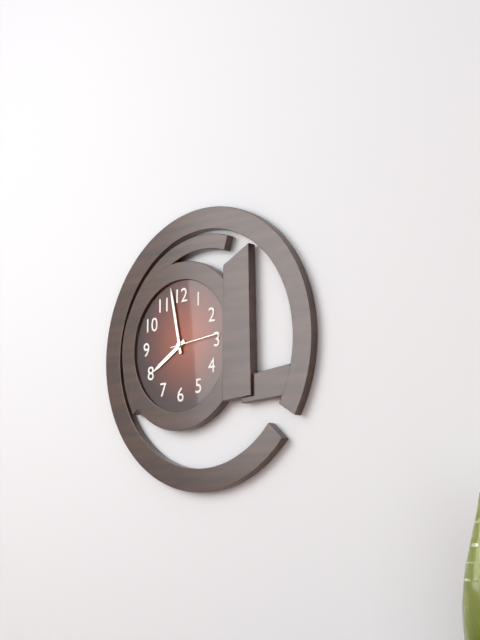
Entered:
7h58
